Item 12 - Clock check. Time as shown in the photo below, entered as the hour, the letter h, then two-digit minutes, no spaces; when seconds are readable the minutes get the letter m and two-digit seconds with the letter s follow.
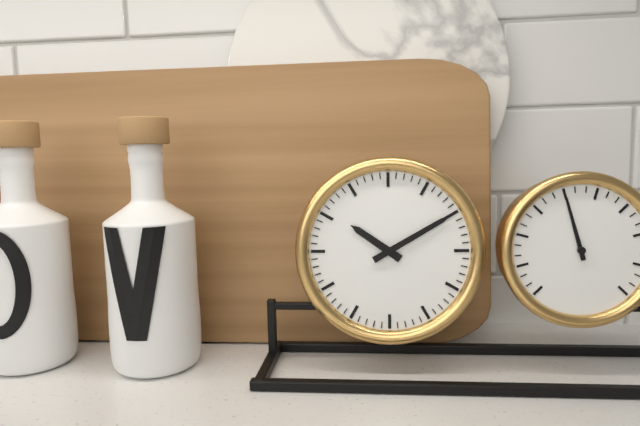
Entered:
10h10
